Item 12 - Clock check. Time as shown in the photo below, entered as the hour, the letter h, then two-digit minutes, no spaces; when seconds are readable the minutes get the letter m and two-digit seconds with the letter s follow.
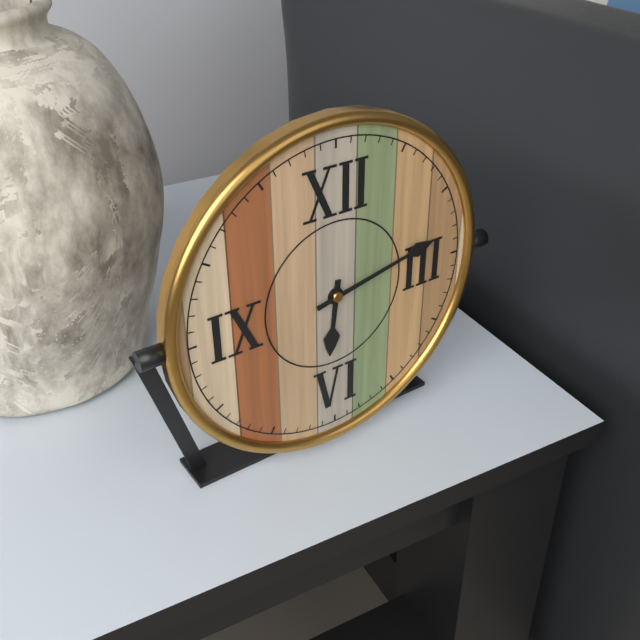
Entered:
6h13
